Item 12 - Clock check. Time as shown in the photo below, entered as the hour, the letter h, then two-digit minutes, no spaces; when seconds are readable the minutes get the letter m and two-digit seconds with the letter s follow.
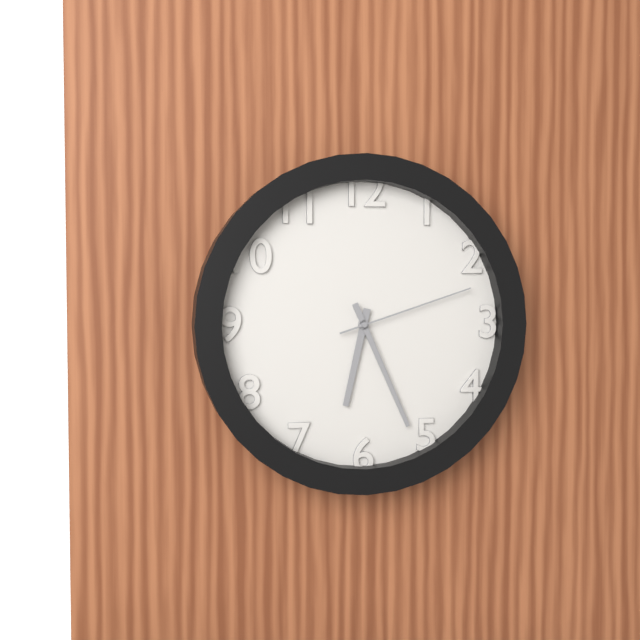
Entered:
6h26m12s
